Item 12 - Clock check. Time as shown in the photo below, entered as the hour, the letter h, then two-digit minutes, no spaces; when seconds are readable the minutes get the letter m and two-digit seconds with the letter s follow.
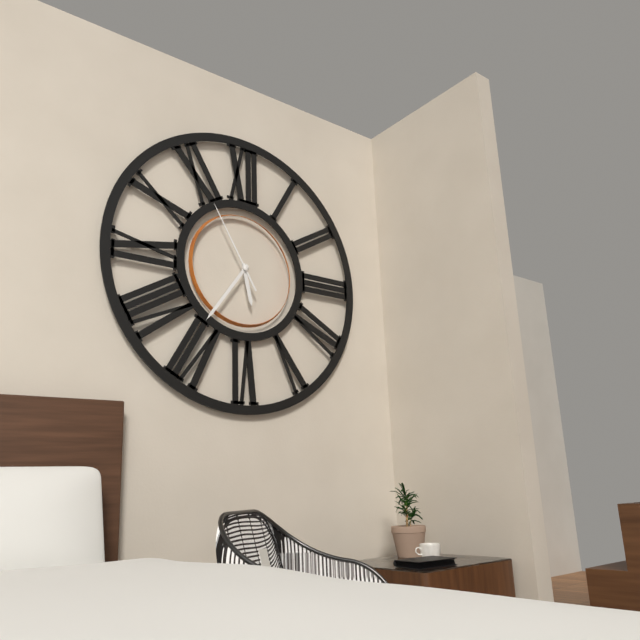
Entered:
5h36m55s
